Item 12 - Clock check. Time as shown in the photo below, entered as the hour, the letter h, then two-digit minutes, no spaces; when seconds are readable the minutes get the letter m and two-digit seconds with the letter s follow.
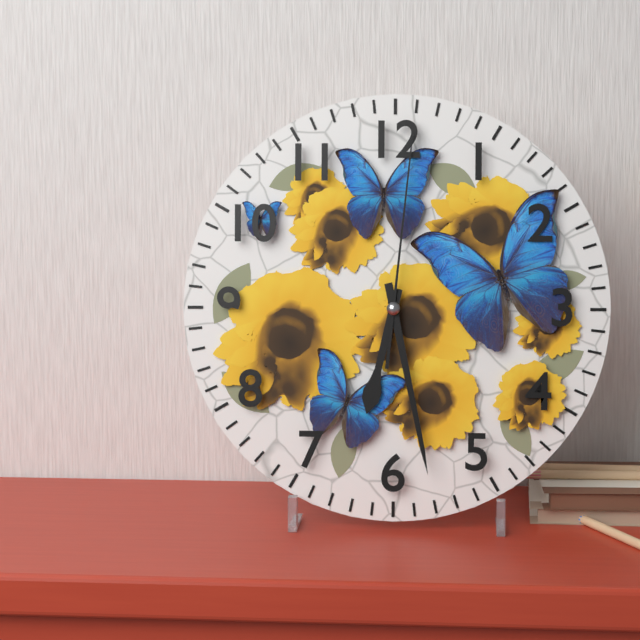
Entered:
6h28m01s
